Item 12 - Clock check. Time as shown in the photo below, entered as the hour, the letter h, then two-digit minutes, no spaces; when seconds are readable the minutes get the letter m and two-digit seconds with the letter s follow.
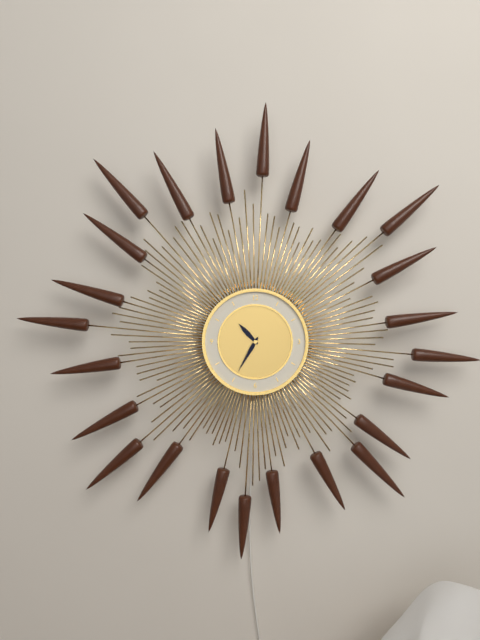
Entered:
10h35
